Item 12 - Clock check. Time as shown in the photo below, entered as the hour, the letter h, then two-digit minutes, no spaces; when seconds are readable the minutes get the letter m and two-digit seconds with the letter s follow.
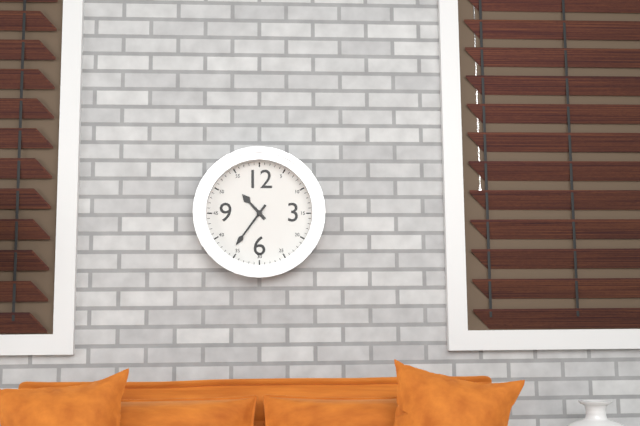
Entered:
10h36
